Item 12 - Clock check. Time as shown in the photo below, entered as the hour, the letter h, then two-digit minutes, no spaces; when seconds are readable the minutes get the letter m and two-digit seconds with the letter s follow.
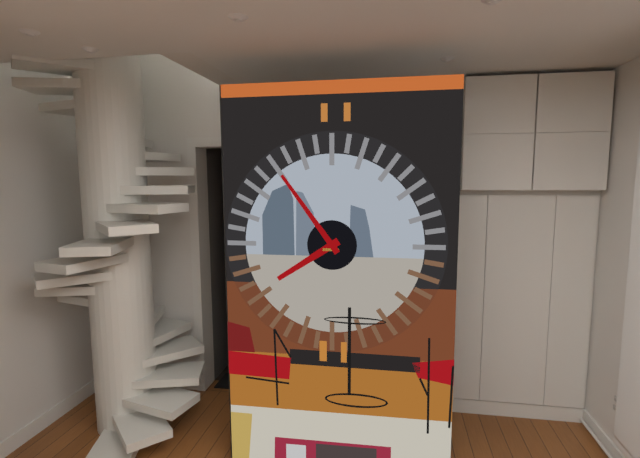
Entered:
7h54
